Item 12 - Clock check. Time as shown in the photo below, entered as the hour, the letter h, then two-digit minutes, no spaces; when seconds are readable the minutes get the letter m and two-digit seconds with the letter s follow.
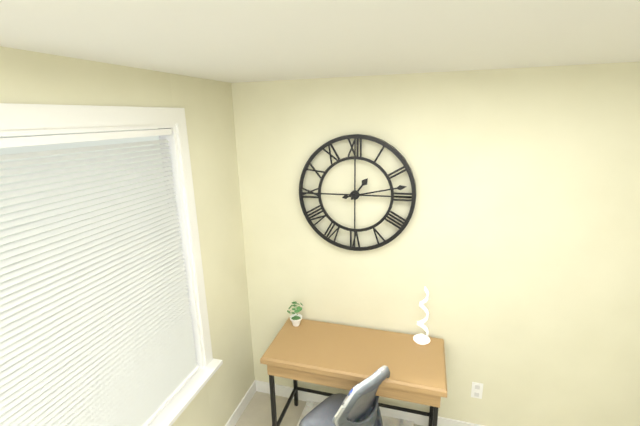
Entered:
1h13
